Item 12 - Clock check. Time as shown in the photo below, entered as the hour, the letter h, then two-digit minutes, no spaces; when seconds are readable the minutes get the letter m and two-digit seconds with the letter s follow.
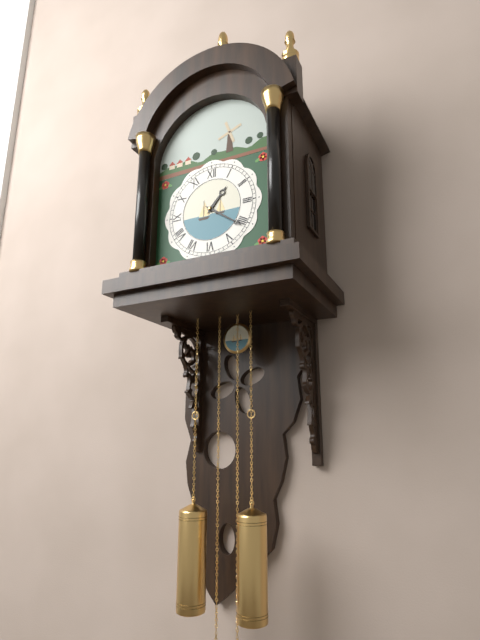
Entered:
1h21
